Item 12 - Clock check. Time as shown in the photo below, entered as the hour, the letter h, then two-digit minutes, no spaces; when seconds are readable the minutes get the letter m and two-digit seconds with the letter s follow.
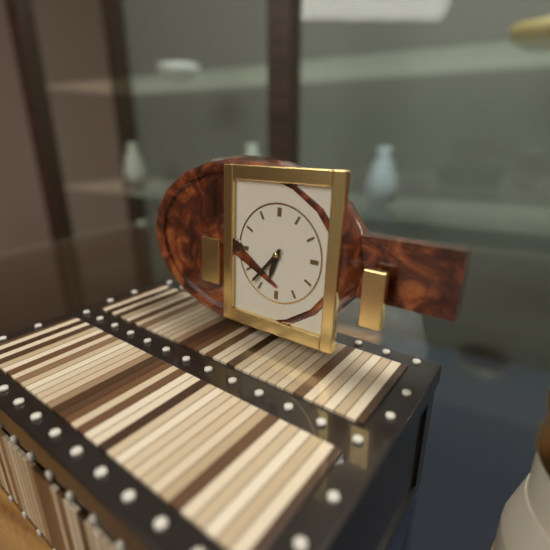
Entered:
6h37
